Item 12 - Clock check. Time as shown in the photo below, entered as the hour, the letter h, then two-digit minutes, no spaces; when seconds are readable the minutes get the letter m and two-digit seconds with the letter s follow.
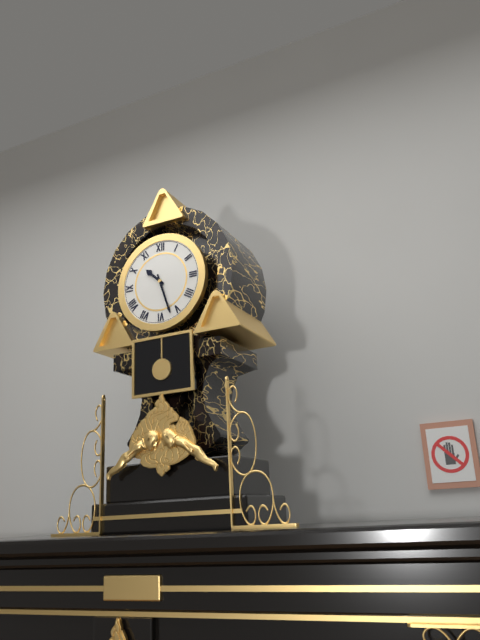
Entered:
10h27
